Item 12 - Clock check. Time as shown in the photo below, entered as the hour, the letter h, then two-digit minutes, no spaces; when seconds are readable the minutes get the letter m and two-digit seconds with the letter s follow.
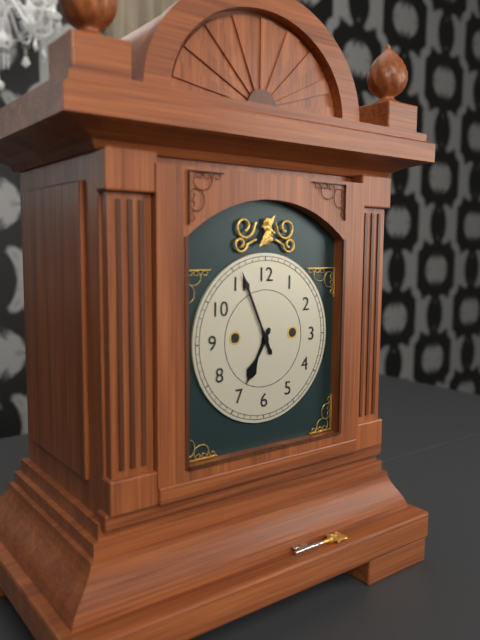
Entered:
6h56
